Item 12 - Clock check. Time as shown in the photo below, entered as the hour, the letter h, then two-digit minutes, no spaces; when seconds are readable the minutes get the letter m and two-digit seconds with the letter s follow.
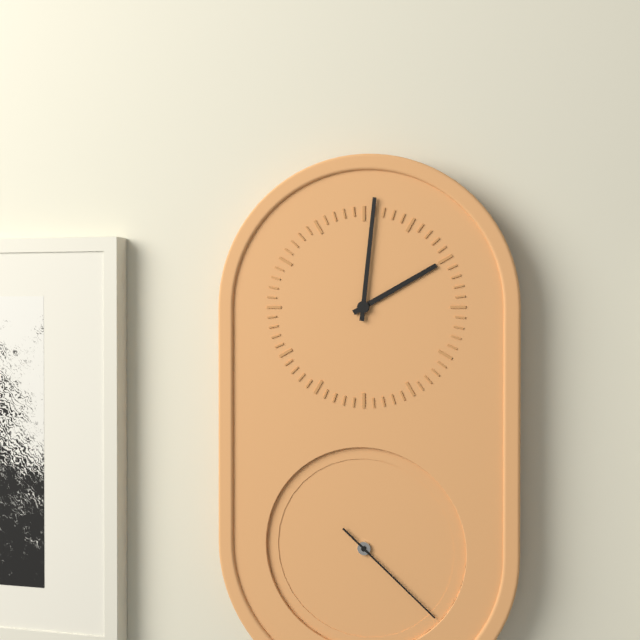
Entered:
2h01m22s
